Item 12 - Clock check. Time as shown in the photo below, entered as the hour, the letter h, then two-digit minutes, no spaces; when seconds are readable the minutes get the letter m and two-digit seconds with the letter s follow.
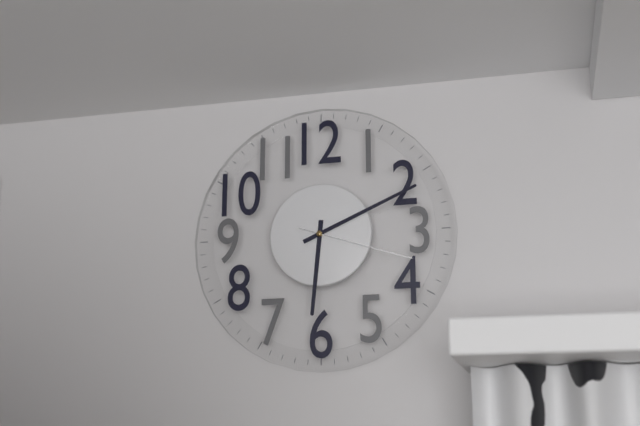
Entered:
6h11m18s
